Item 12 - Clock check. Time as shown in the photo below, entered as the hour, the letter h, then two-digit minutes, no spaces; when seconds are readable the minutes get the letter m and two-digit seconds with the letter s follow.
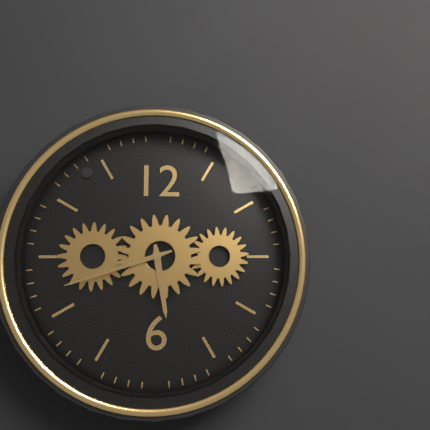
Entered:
5h42
